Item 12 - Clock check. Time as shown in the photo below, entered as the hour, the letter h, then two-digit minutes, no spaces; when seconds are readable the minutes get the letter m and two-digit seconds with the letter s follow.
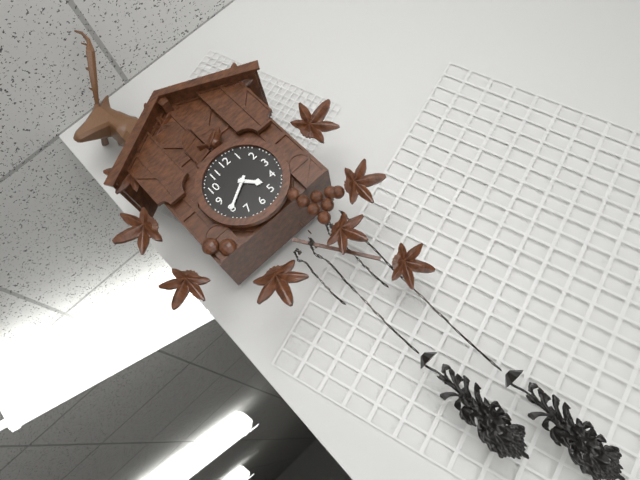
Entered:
4h40
